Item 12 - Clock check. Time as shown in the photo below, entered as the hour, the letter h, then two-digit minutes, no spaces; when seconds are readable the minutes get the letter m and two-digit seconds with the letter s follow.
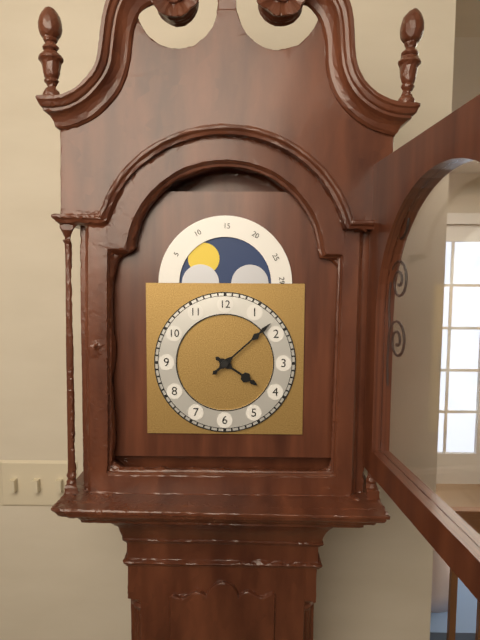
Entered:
4h08
